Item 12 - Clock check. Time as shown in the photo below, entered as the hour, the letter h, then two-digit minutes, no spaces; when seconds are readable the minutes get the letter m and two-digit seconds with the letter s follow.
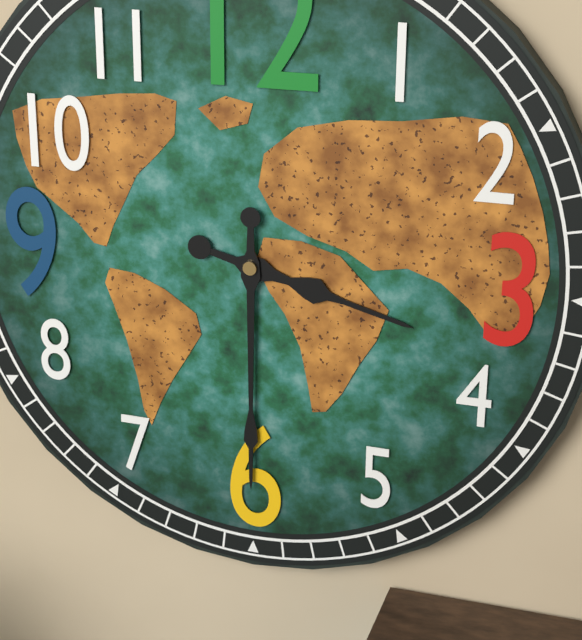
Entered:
3h30
